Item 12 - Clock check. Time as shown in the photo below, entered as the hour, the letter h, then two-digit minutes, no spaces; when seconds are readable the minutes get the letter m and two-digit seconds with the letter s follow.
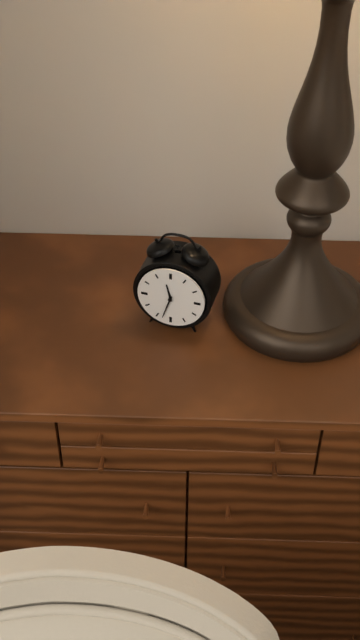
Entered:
11h33
